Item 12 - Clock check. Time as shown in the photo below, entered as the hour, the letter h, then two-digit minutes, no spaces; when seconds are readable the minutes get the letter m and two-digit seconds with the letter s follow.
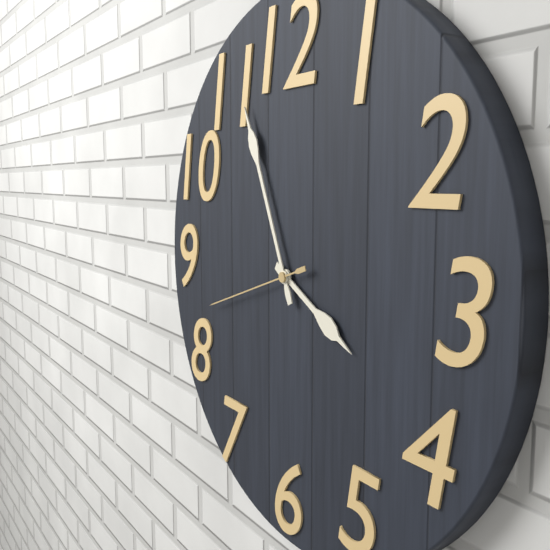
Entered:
3h56m42s
